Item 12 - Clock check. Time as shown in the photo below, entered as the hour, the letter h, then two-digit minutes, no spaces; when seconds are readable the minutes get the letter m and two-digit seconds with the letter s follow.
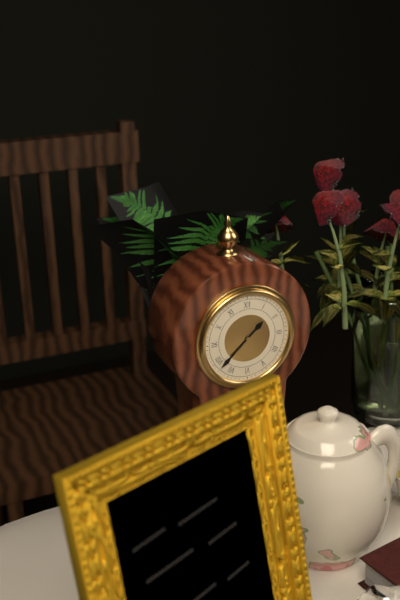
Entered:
1h38
